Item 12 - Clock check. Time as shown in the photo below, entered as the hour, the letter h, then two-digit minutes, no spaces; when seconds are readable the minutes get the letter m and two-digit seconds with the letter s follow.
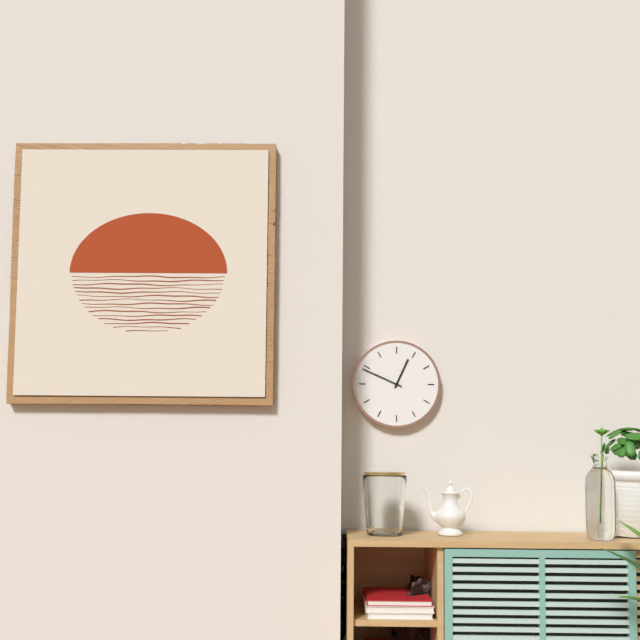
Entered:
12h49
